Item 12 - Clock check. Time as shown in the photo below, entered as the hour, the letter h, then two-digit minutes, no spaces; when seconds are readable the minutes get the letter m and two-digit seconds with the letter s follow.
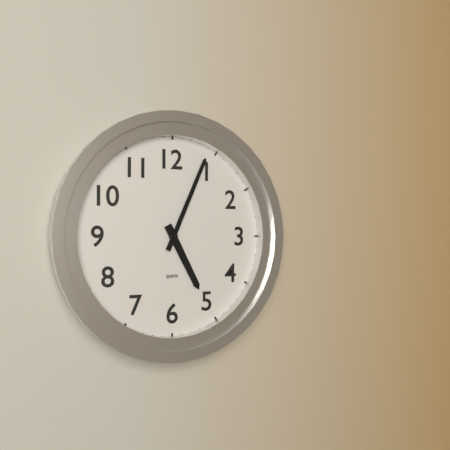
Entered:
5h04
